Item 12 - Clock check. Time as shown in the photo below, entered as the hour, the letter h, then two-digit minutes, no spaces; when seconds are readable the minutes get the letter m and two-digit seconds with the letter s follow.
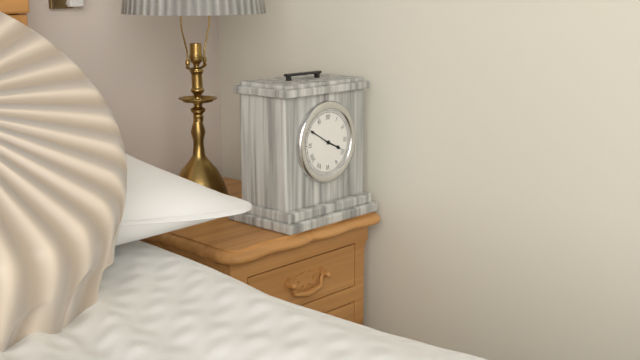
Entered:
3h50
